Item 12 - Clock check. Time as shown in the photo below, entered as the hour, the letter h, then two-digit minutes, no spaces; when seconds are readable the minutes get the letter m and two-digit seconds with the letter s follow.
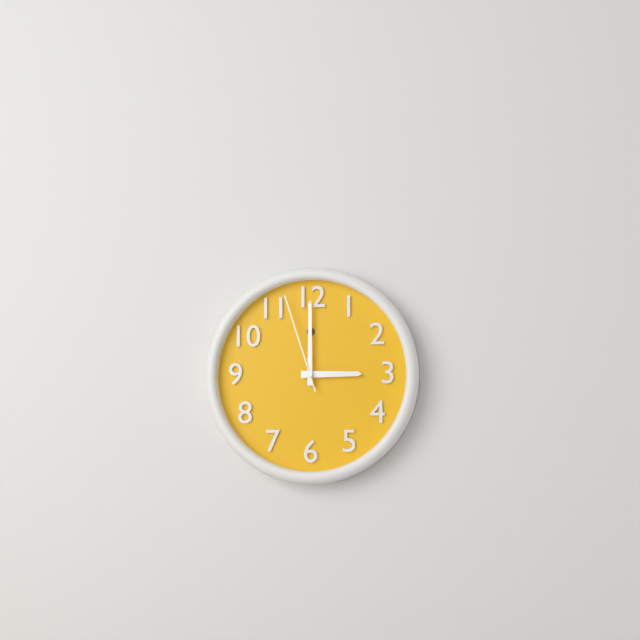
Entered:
3h00m57s
